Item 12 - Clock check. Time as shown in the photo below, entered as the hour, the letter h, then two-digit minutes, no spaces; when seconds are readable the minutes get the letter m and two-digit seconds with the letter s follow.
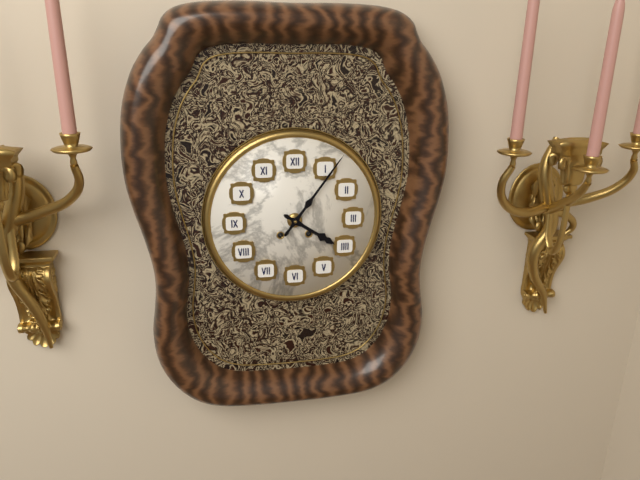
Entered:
4h06
